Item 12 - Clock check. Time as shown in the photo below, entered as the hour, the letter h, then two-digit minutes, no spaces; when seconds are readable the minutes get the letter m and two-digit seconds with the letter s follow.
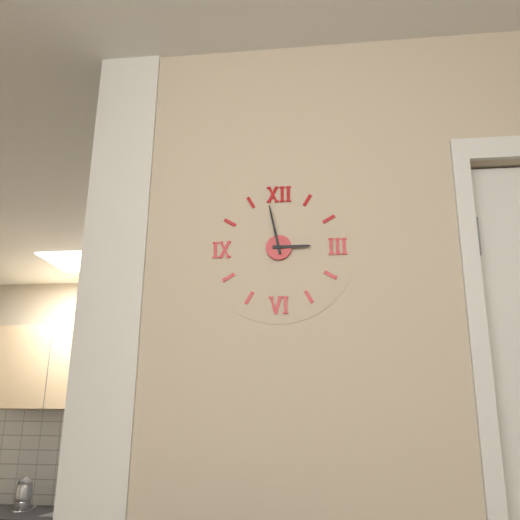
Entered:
2h58
